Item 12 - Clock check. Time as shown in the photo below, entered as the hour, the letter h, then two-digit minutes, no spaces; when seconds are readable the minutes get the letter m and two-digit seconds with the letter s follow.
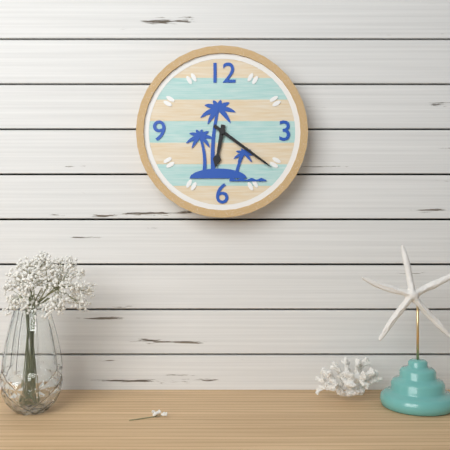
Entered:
6h21
